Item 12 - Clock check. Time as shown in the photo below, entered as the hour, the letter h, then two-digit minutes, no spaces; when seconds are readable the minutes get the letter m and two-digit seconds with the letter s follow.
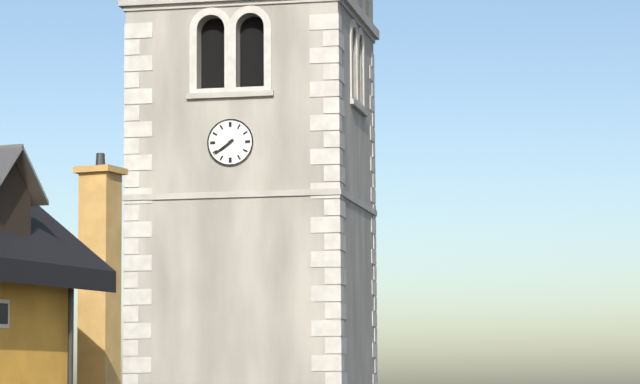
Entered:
7h39
